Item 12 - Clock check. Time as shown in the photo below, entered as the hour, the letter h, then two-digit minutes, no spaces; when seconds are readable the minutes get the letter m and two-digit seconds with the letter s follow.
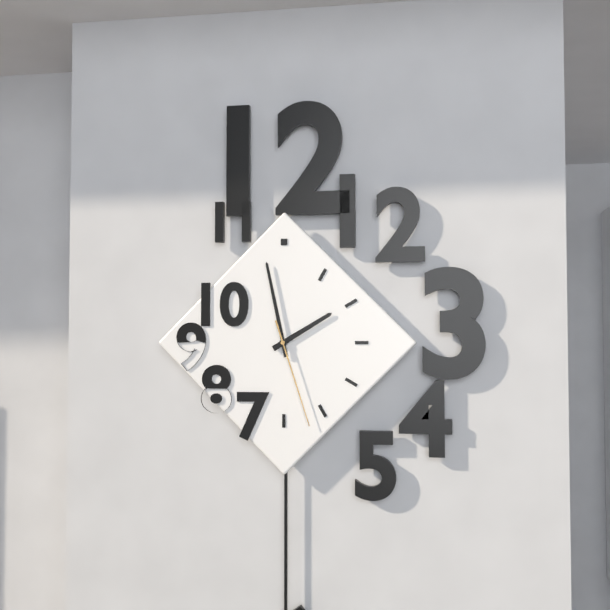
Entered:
1h58m27s
